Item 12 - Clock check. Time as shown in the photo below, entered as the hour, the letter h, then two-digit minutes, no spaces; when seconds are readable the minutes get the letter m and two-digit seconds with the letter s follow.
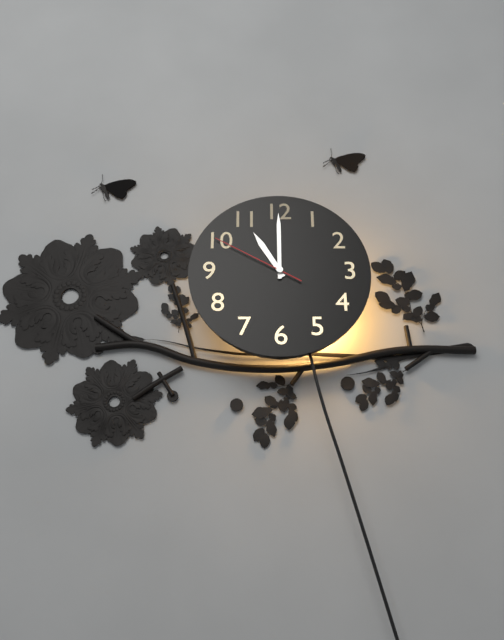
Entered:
11h00m50s
